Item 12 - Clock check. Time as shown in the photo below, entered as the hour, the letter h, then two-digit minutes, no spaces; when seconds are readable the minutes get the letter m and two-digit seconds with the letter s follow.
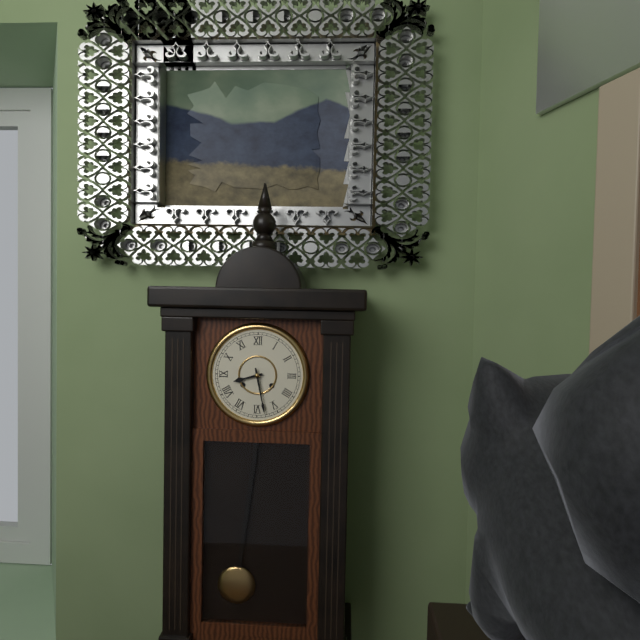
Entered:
8h28
